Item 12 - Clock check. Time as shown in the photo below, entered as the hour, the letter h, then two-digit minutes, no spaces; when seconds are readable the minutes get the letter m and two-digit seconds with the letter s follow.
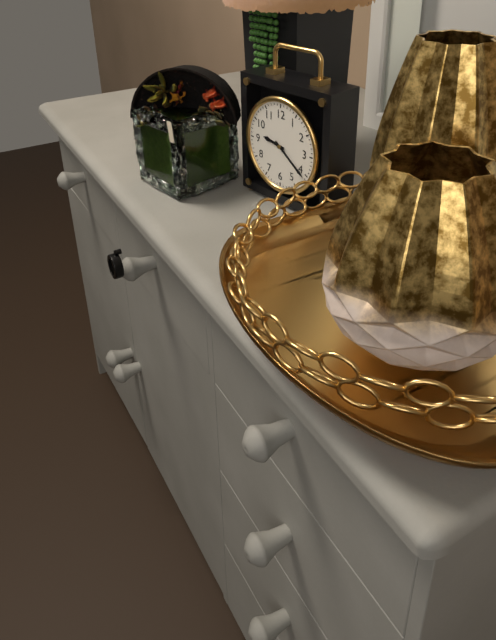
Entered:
9h21
